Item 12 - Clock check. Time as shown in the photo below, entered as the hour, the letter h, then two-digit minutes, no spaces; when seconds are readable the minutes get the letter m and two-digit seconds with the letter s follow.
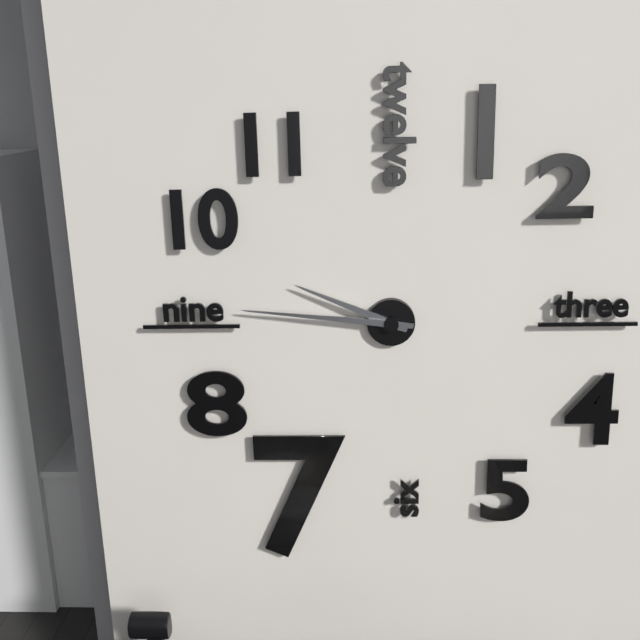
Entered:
9h46
